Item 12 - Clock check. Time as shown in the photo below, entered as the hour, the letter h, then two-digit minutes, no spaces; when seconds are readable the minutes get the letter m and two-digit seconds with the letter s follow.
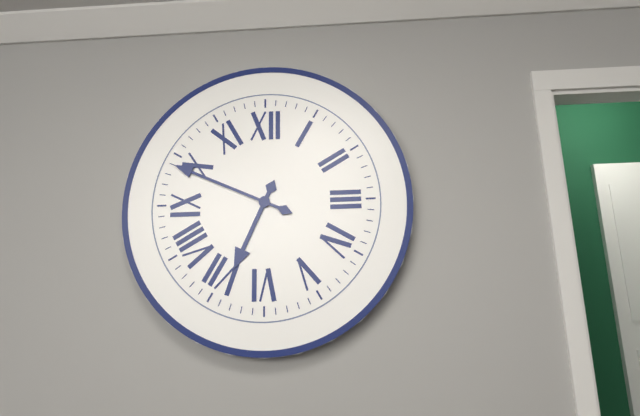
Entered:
6h49
